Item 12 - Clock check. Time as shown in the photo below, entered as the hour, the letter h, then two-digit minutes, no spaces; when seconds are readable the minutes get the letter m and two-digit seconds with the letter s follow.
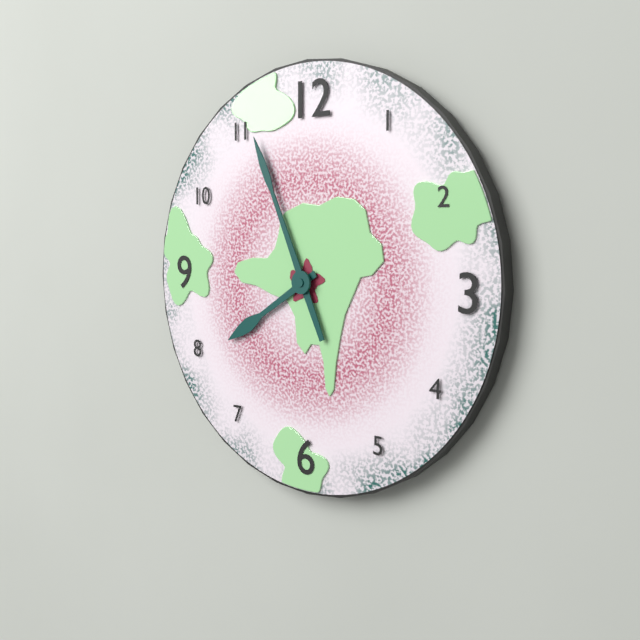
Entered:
7h56
